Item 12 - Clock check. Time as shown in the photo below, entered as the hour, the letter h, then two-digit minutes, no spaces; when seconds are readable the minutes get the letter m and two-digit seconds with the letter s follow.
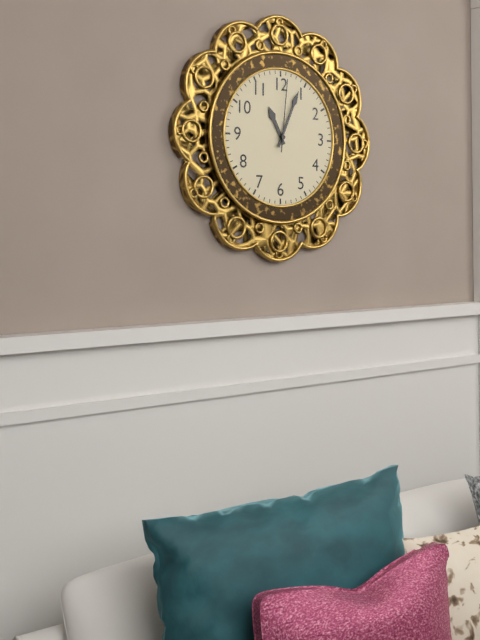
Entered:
11h04m01s
